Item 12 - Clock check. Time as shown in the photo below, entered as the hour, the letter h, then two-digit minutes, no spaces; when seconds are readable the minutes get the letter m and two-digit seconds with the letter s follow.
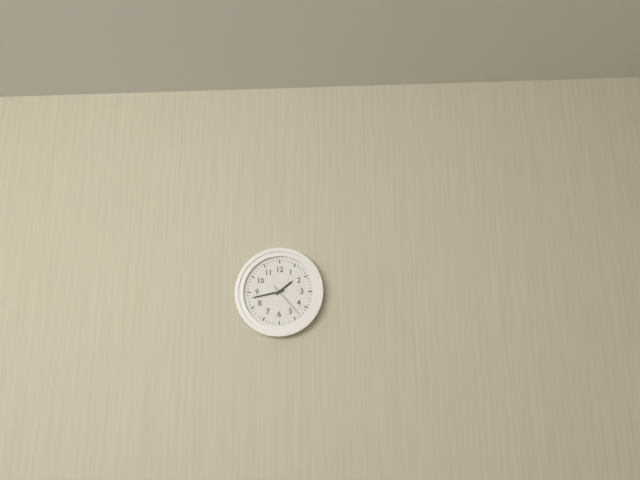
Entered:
1h43
